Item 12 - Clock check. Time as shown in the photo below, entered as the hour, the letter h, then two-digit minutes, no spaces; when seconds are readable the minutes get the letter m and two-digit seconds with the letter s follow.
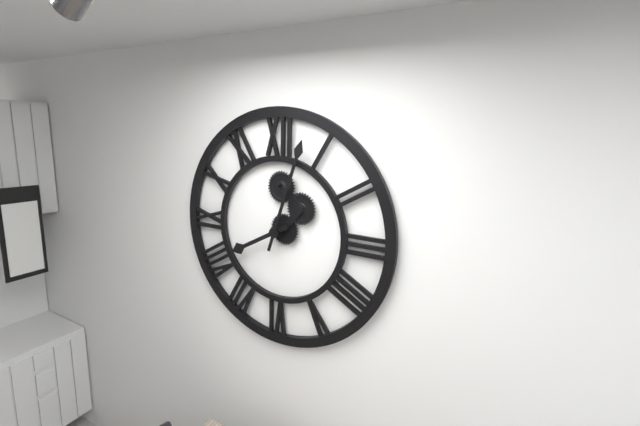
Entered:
8h03
